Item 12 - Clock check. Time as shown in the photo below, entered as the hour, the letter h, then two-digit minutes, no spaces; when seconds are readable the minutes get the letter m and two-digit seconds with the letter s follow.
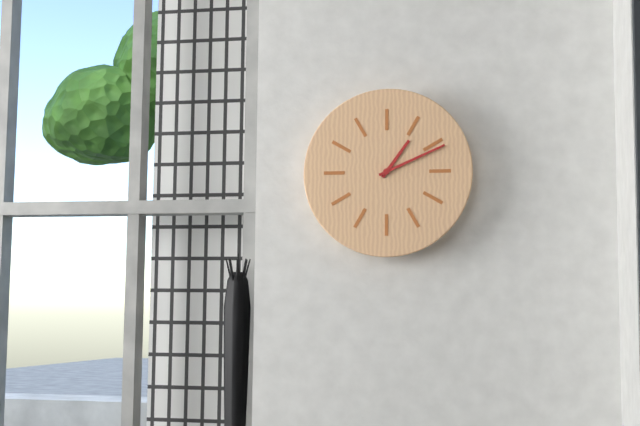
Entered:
1h11
